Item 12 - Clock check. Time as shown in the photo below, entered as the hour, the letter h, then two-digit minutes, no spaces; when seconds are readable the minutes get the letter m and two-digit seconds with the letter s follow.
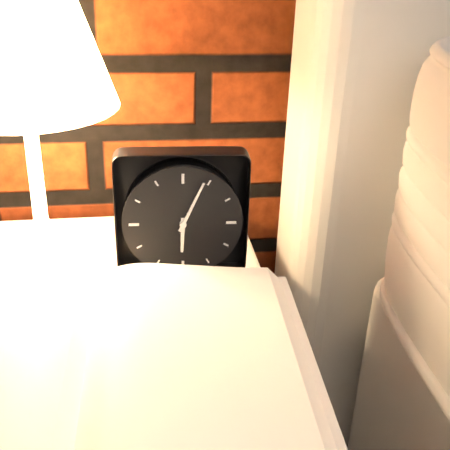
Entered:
6h04
